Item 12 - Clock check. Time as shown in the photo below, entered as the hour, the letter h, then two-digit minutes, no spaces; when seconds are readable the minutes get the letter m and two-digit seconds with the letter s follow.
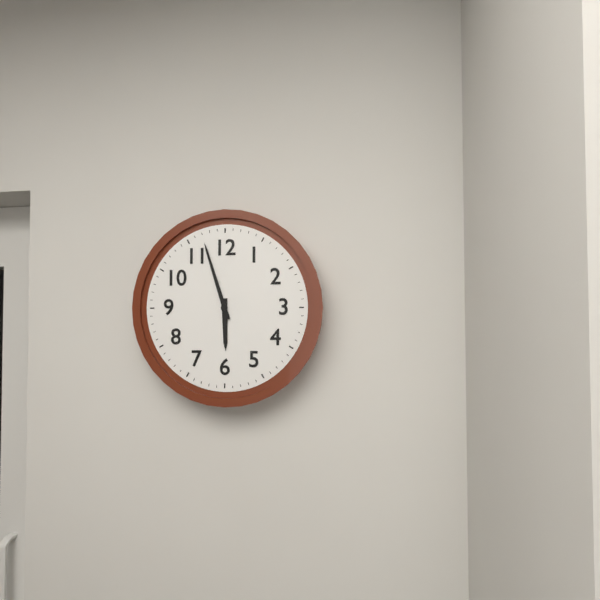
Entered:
5h57
